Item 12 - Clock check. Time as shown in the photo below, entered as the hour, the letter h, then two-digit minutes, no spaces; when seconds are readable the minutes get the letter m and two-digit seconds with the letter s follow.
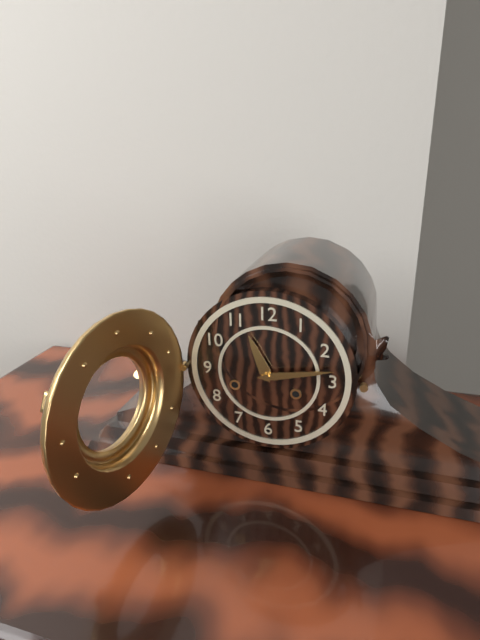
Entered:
11h13
